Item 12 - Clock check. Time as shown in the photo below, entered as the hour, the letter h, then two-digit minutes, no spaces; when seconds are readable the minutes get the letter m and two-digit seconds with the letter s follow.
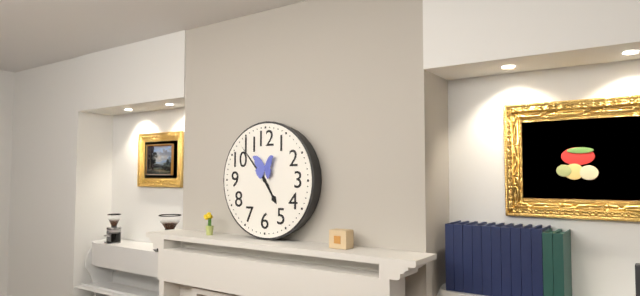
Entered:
4h53
